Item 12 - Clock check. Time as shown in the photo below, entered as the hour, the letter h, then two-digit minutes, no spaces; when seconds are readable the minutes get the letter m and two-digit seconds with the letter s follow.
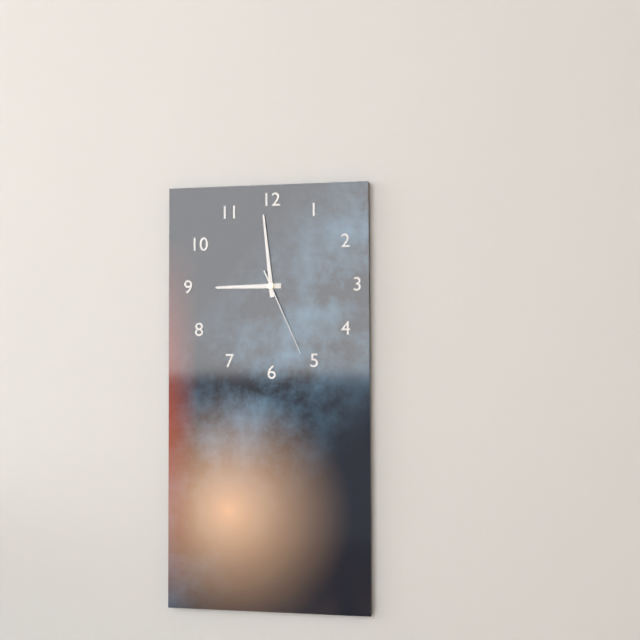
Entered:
8h59m26s
